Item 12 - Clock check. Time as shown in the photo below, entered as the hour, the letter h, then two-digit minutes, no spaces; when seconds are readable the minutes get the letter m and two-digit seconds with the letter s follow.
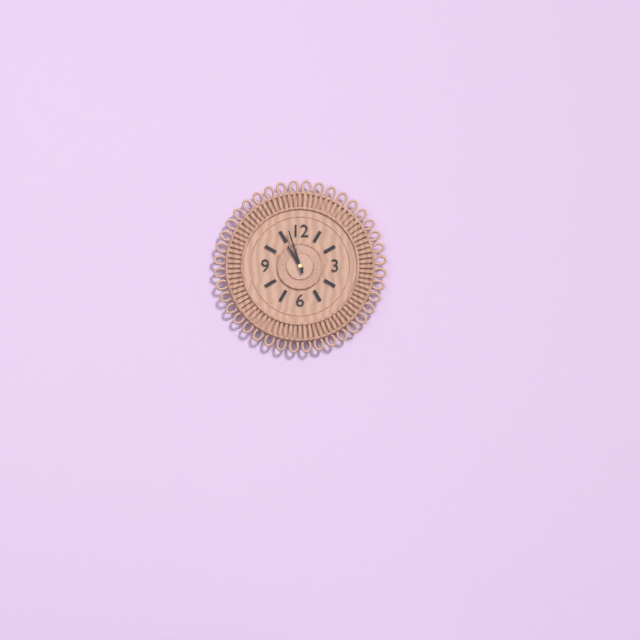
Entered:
10h57
